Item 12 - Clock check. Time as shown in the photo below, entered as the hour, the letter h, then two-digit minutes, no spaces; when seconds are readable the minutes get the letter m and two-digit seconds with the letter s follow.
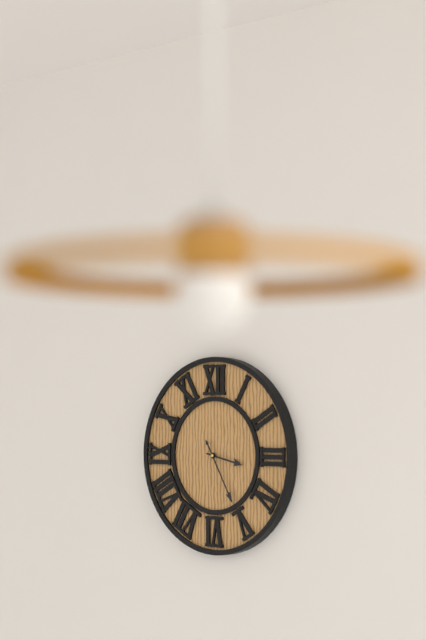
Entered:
3h25
